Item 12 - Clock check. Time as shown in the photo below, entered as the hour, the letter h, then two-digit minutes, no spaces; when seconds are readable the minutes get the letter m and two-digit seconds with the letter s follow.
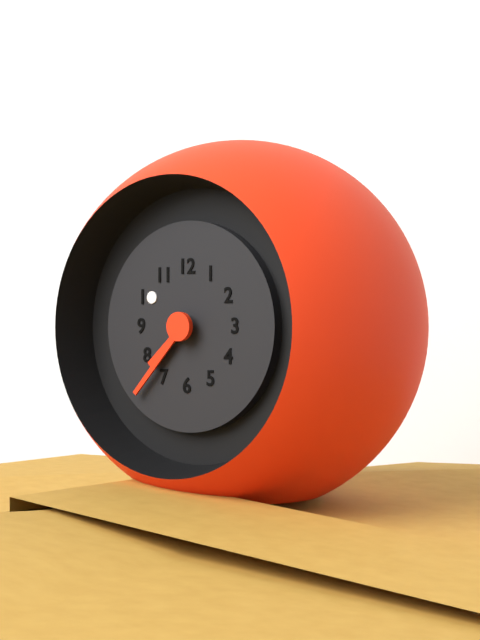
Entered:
7h37
